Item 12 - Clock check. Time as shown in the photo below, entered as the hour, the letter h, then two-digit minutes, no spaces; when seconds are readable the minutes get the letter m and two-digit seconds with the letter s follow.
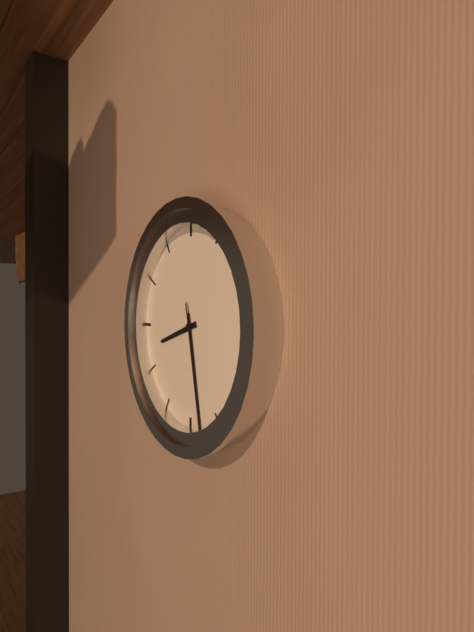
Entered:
8h28m28s
